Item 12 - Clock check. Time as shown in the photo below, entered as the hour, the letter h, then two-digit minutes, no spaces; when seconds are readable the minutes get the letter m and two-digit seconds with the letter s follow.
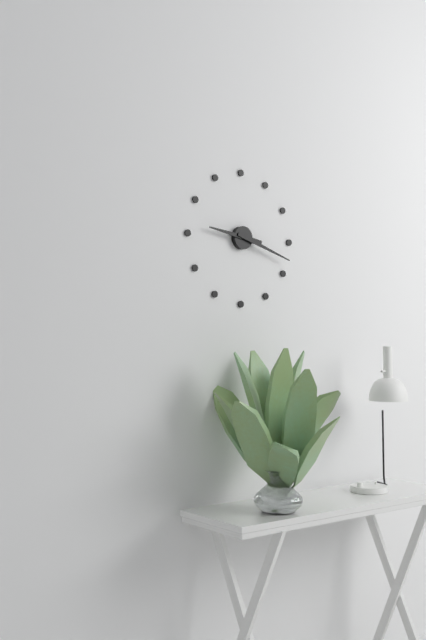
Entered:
9h18
